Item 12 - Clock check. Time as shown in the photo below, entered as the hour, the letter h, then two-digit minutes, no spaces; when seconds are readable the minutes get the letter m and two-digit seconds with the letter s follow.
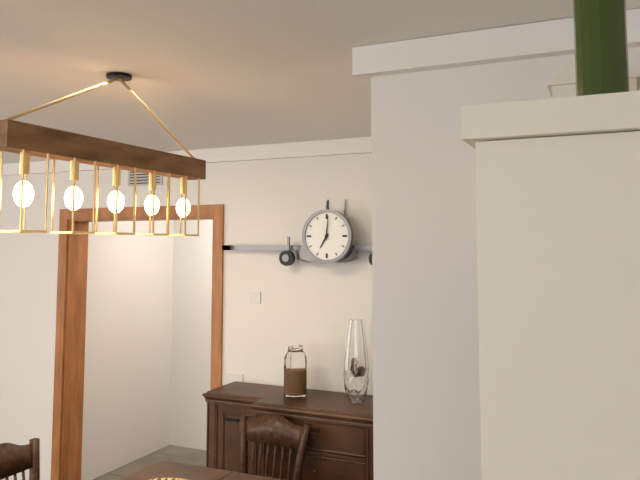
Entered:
7h01
